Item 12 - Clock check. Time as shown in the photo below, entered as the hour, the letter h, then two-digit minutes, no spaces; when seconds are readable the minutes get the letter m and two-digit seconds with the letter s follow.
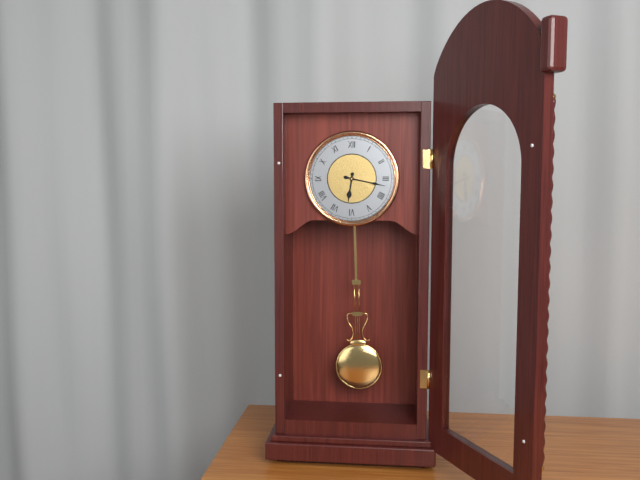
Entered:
6h17
